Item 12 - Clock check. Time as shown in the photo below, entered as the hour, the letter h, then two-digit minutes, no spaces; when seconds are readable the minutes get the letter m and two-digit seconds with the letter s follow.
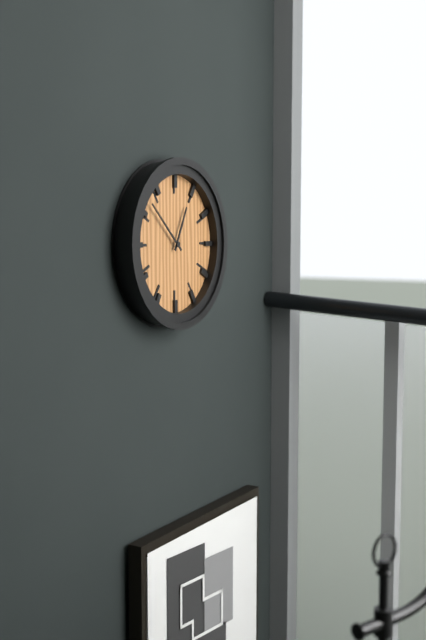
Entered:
12h52
